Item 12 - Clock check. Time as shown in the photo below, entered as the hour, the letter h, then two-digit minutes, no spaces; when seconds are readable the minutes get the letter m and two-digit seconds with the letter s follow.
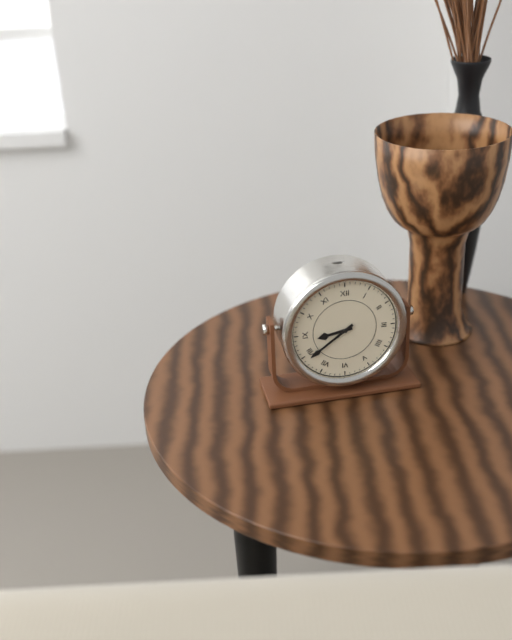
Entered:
8h39
